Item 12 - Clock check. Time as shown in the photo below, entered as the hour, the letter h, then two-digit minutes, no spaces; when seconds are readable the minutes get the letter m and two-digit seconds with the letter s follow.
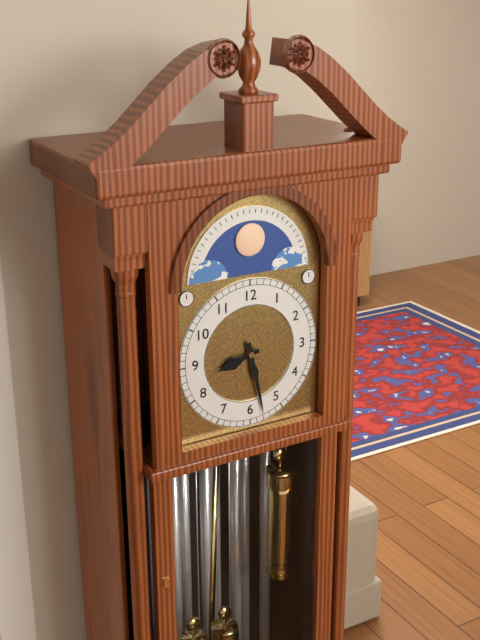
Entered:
8h28
